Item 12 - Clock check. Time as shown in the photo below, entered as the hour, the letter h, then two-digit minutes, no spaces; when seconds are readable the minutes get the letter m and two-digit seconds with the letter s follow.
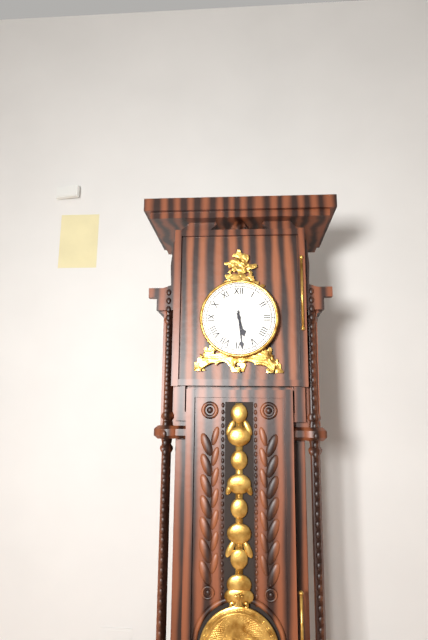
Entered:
5h29
